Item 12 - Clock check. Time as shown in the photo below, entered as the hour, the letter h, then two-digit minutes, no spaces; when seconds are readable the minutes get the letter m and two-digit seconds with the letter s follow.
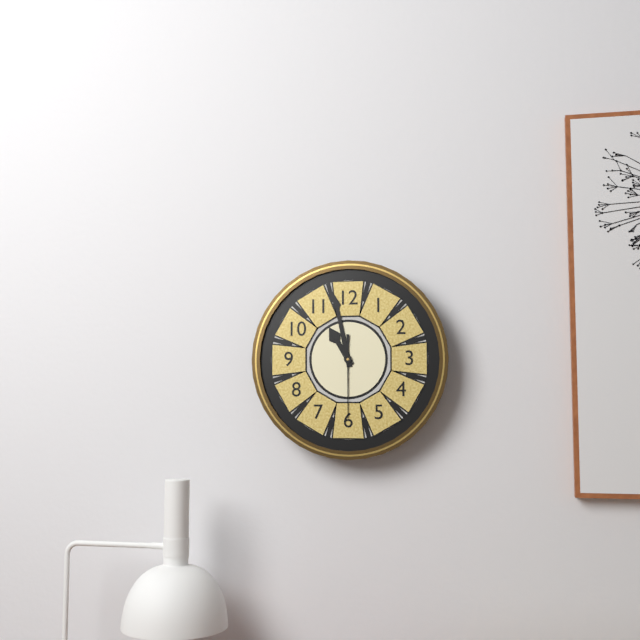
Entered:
10h58m30s
